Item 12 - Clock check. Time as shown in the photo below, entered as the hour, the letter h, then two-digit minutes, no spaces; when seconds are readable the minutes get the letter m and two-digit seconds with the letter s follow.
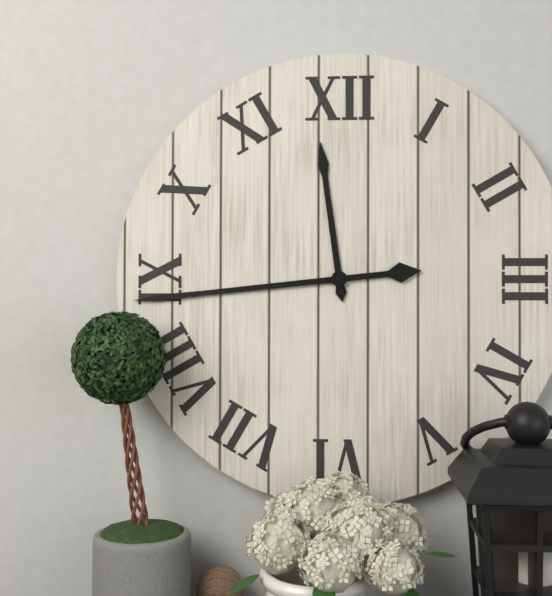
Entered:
11h44
